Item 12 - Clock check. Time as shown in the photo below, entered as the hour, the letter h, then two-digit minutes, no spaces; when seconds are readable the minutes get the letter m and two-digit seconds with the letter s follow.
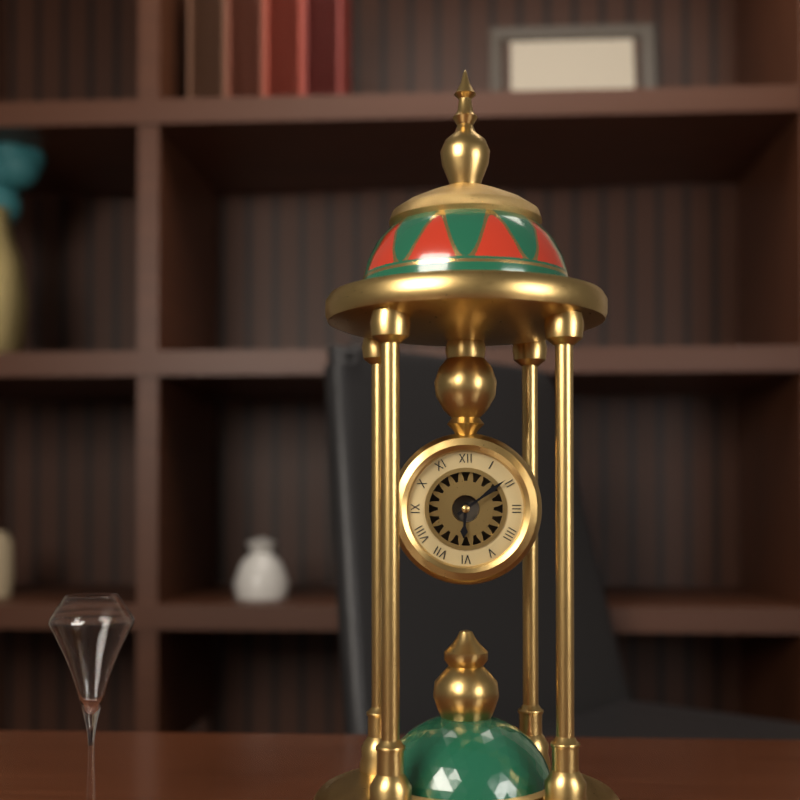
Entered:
6h09
